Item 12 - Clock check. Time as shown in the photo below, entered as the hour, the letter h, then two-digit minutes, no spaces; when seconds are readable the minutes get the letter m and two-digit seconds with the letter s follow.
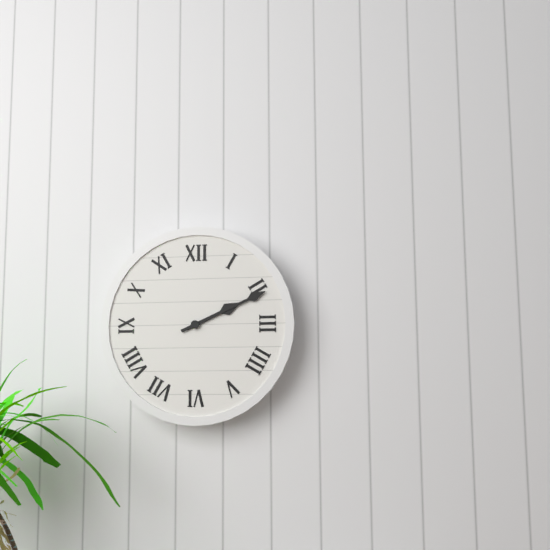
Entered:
2h11
